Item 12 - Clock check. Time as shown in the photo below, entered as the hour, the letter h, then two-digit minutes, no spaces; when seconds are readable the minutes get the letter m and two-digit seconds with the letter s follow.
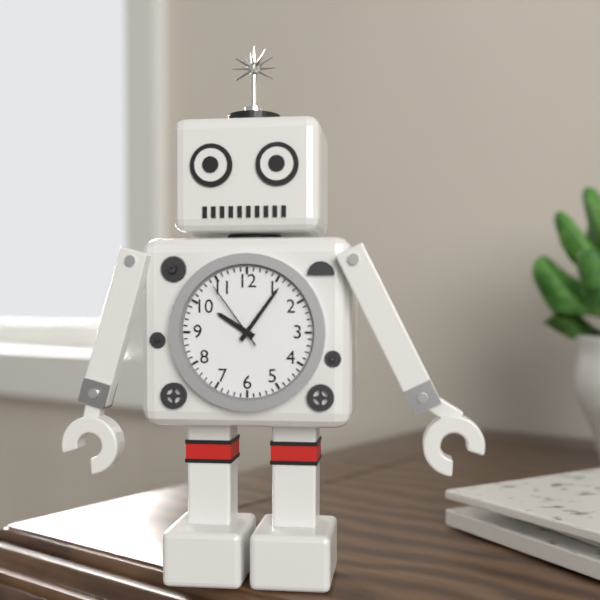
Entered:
10h06m54s
